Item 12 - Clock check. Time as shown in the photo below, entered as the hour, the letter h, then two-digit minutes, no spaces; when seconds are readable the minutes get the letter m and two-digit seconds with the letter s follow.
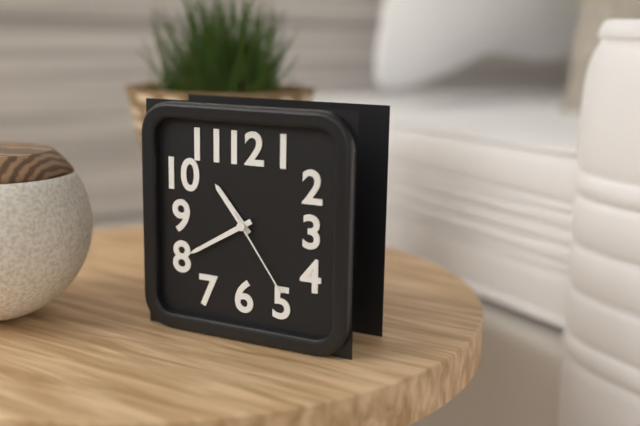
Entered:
10h40m24s
